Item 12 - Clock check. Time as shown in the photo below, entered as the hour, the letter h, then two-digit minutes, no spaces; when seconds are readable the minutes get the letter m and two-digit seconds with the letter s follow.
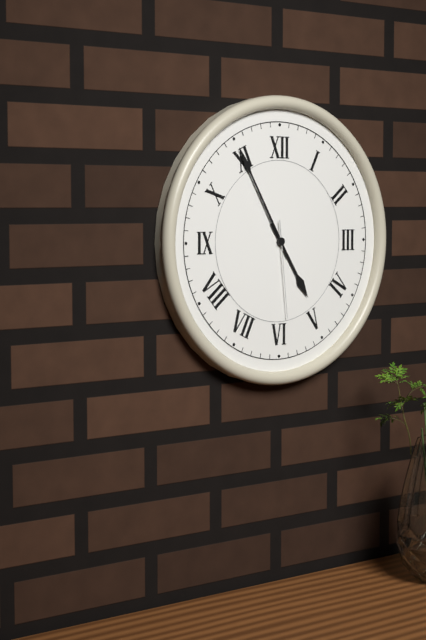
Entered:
4h55m29s
